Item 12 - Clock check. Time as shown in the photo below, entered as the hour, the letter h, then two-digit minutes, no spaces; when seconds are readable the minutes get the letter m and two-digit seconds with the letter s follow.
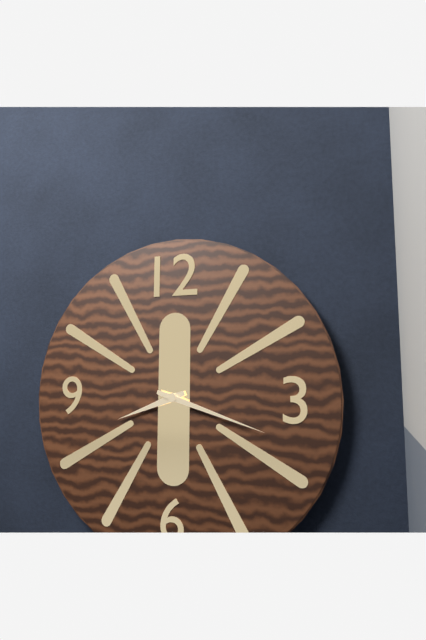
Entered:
8h18
